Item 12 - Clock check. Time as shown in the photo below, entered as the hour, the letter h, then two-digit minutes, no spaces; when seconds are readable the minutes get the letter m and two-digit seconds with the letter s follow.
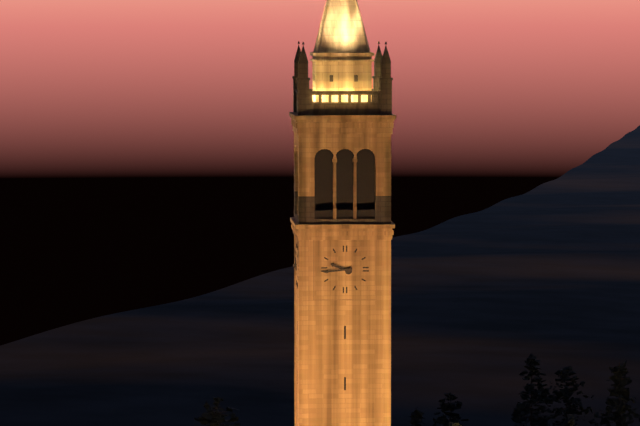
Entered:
9h44
